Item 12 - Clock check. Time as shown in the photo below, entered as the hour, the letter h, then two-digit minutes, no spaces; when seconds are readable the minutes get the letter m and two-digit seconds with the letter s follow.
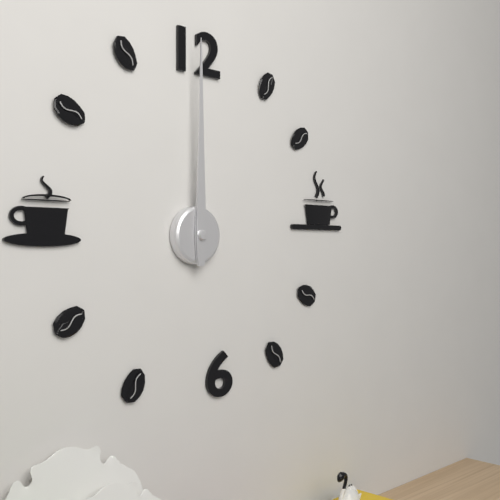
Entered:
12h00
